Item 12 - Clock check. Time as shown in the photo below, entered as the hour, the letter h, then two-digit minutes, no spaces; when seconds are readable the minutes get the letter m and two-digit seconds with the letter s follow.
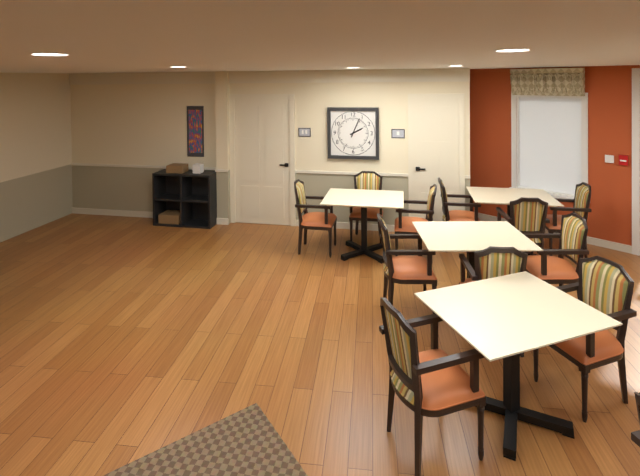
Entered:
2h04
